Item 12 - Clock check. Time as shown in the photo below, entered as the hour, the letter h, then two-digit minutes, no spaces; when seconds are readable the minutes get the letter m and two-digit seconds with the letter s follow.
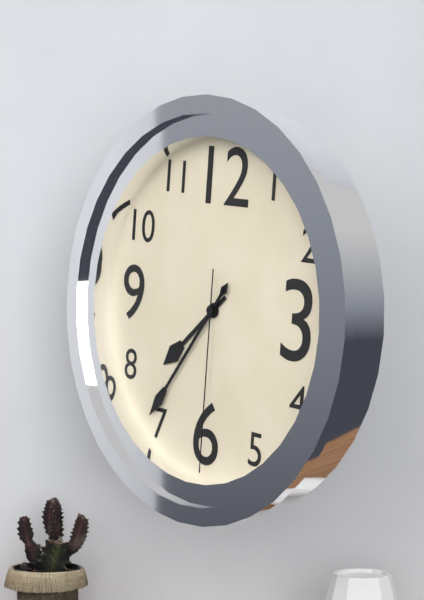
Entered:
7h36m30s
